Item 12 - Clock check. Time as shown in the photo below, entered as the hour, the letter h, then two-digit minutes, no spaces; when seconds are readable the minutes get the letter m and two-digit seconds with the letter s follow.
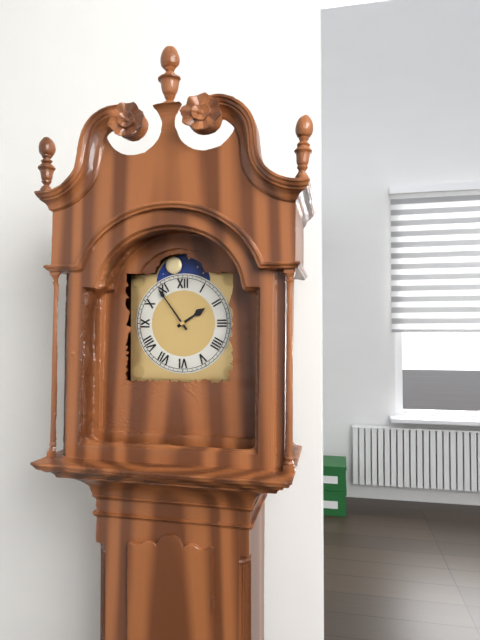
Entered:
1h54
